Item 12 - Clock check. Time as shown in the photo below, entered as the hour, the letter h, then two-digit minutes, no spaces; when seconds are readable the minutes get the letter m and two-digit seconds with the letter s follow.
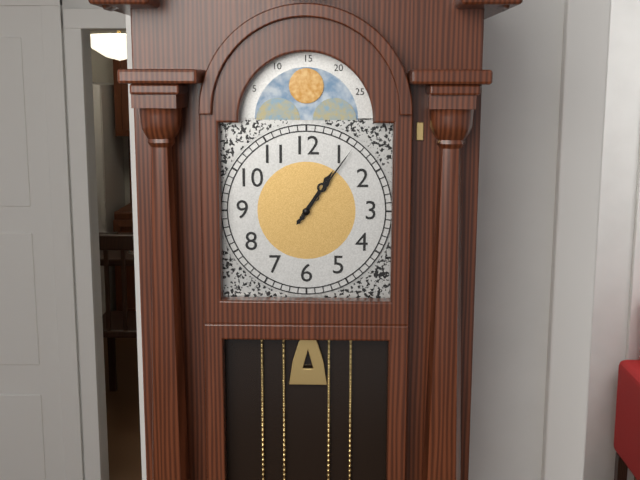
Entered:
1h06
